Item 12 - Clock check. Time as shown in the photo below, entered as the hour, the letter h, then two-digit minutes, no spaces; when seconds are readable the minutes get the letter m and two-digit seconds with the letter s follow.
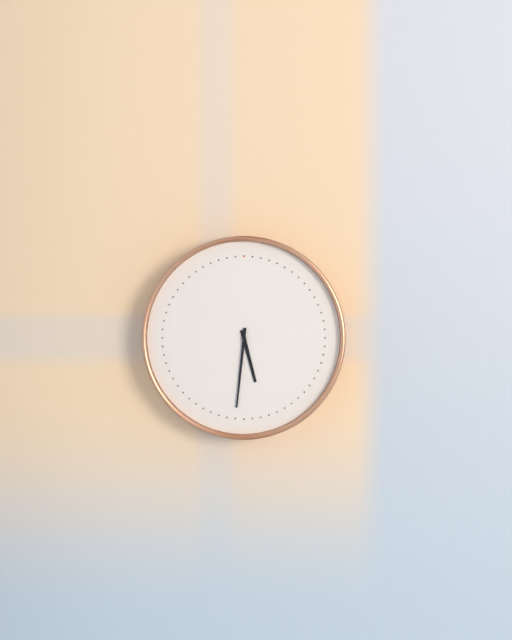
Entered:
5h31
